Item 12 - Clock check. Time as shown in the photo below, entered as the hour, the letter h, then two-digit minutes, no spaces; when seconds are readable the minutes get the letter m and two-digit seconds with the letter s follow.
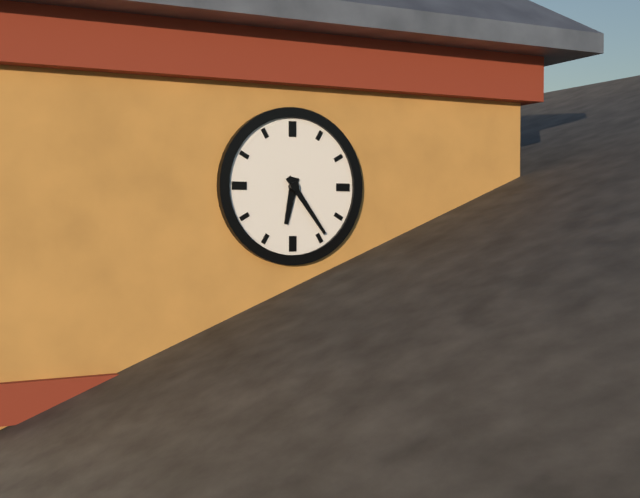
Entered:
6h24
